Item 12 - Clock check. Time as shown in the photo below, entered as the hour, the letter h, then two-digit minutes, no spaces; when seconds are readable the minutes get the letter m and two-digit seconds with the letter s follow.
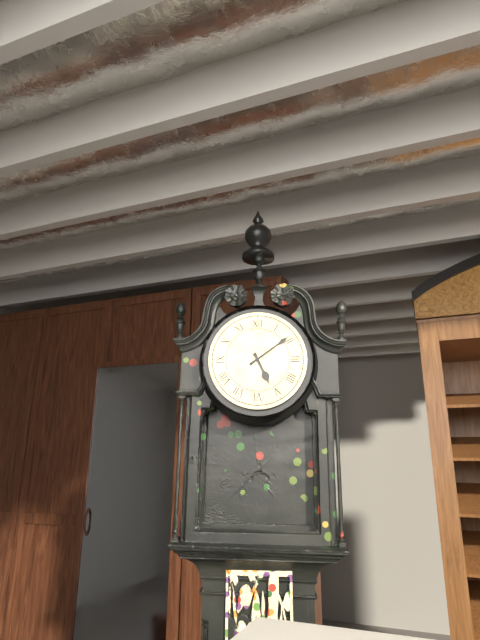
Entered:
5h09
